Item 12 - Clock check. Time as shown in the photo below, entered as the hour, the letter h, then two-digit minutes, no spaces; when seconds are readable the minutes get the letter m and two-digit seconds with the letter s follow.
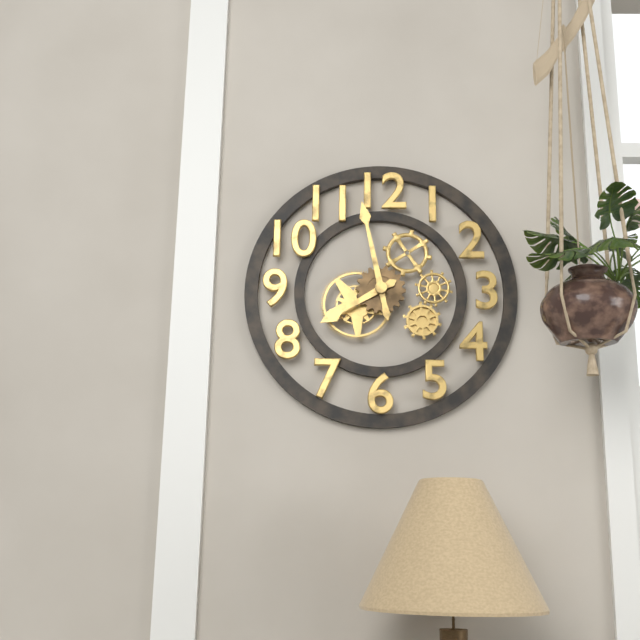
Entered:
7h58
